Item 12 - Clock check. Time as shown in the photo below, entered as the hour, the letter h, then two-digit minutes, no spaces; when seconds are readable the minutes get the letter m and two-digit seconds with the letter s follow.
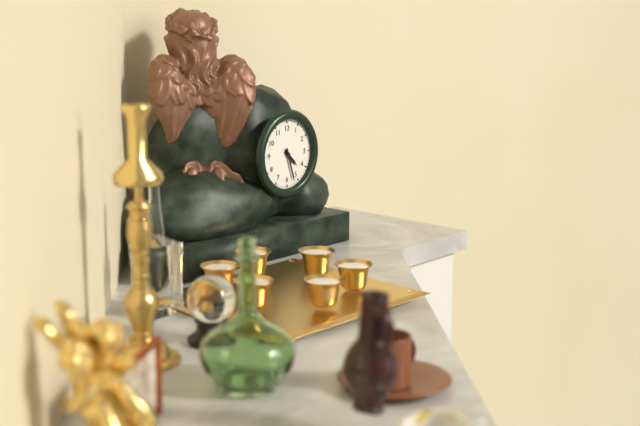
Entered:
4h27
